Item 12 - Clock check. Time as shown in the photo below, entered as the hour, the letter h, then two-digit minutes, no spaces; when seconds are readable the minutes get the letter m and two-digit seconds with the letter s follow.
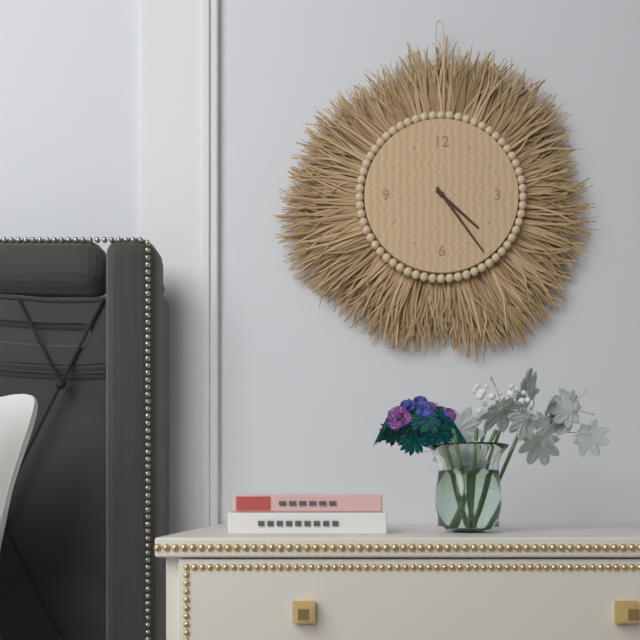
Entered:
4h24
